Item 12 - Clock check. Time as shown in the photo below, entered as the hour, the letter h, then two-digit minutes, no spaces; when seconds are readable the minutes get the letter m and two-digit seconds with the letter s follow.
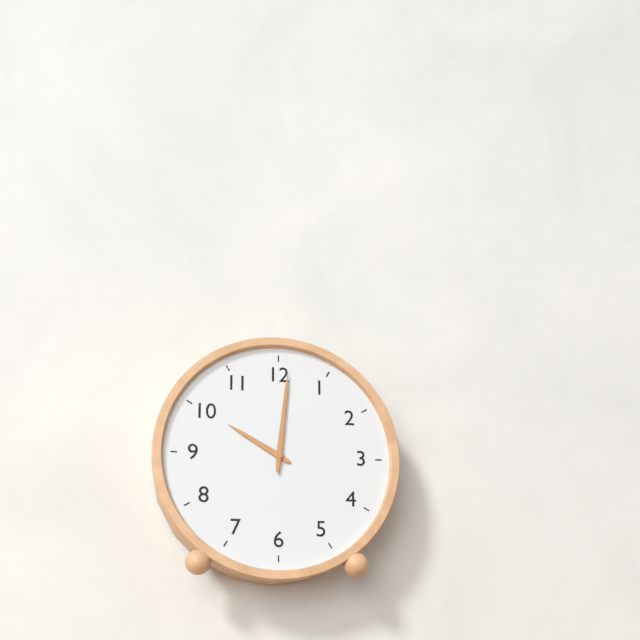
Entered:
10h01
